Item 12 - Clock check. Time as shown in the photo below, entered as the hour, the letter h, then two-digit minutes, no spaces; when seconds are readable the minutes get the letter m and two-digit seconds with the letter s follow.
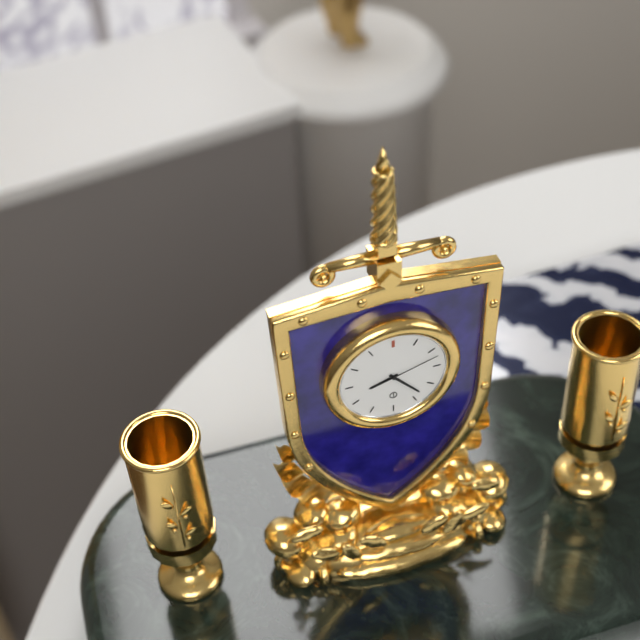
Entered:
8h23m12s
